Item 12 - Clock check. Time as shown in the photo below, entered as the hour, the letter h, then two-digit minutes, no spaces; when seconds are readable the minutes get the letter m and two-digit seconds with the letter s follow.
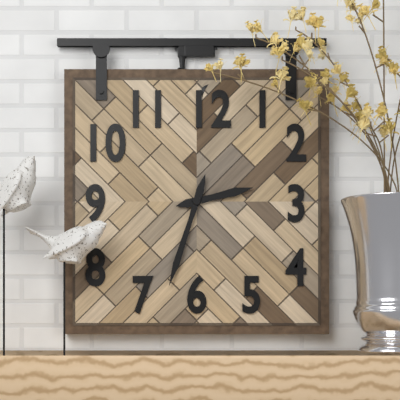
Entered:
2h33
